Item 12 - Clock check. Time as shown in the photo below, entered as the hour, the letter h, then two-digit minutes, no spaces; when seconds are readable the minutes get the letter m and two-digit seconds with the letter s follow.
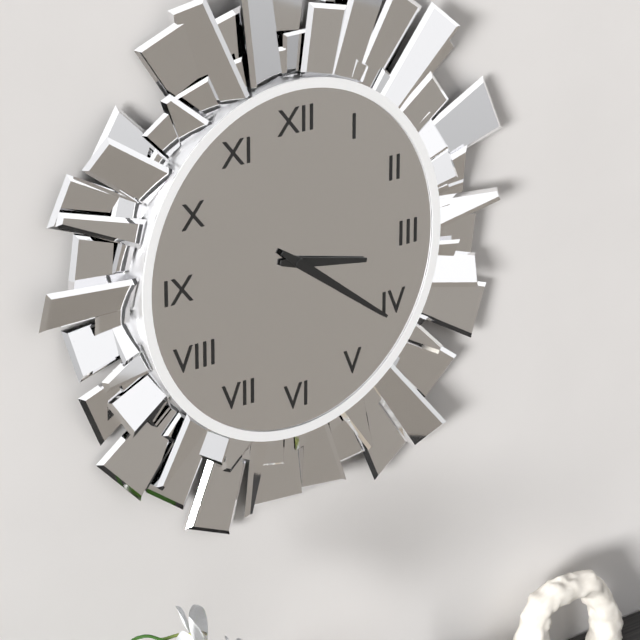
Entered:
3h21
